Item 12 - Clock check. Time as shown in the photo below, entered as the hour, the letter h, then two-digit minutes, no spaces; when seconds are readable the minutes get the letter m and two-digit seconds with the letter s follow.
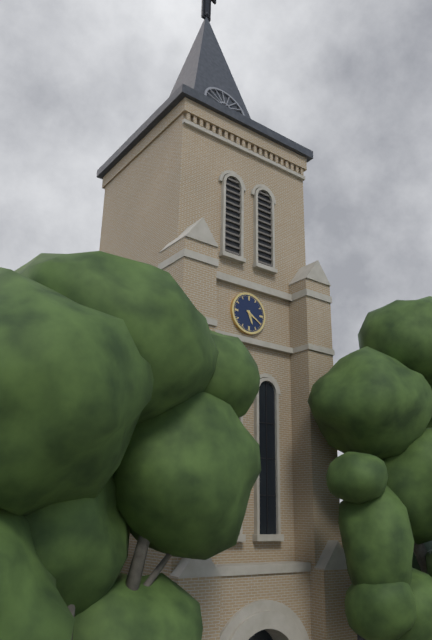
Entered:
5h20
